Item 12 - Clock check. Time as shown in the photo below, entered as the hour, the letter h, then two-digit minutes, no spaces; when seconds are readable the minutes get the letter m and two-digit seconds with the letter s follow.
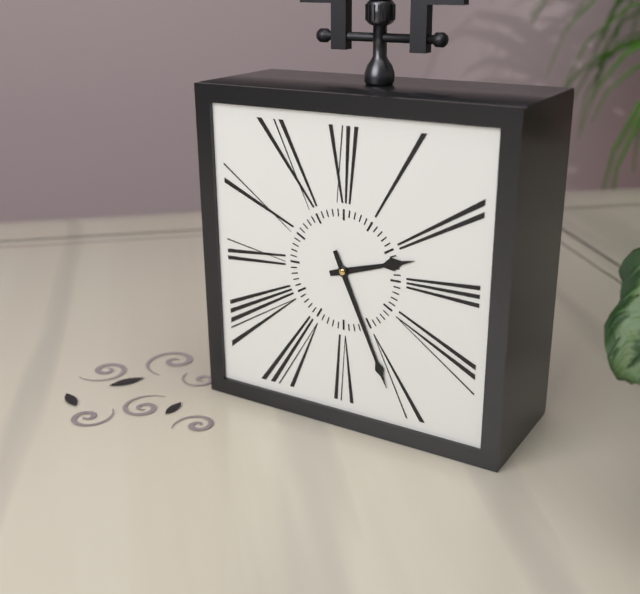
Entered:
2h26
